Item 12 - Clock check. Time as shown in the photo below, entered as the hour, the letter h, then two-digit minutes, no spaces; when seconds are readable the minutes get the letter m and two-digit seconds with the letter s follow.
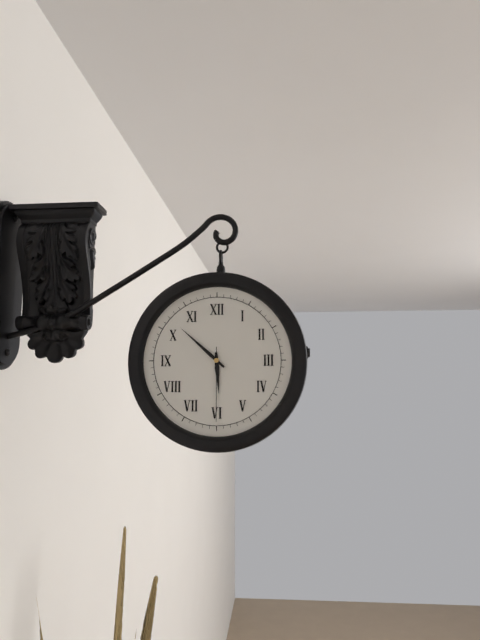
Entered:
5h52m30s
